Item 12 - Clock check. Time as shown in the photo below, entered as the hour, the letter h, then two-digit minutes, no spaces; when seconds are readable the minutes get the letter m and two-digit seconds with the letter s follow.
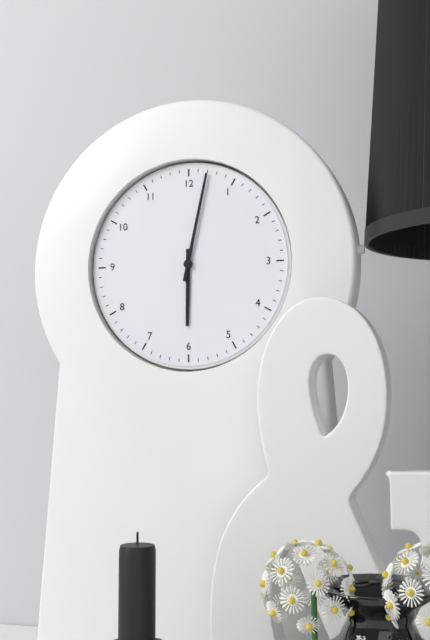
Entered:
6h02
